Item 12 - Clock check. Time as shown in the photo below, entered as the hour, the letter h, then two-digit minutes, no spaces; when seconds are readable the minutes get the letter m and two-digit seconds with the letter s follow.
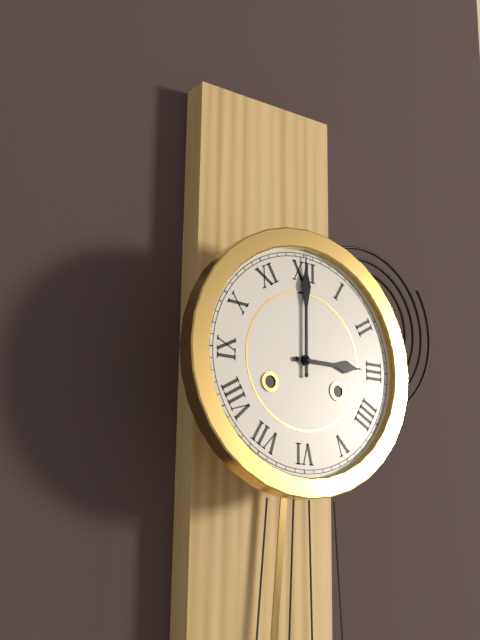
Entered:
3h00
